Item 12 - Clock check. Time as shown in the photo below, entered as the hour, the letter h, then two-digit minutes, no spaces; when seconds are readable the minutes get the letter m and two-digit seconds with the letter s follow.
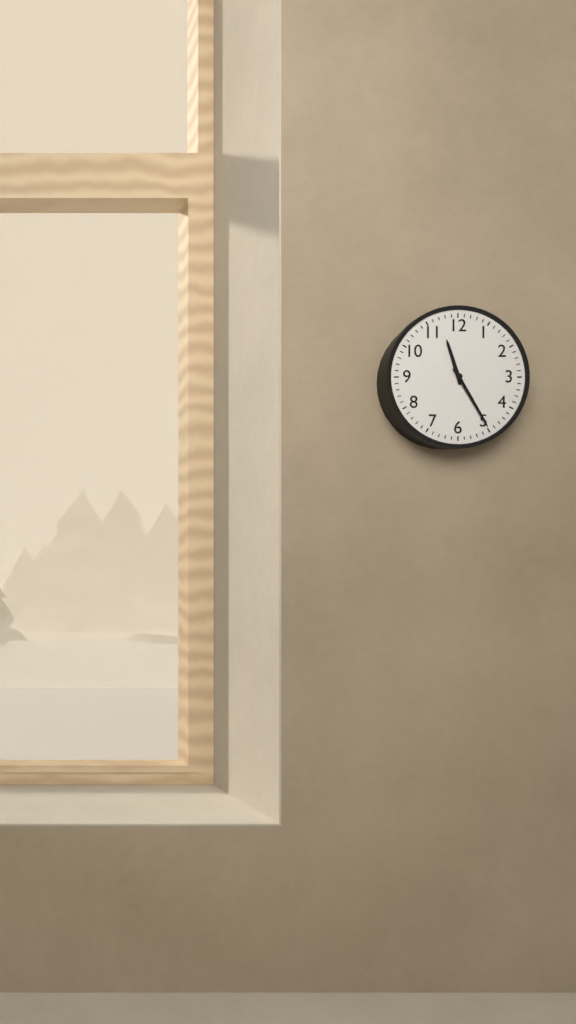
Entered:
11h25
